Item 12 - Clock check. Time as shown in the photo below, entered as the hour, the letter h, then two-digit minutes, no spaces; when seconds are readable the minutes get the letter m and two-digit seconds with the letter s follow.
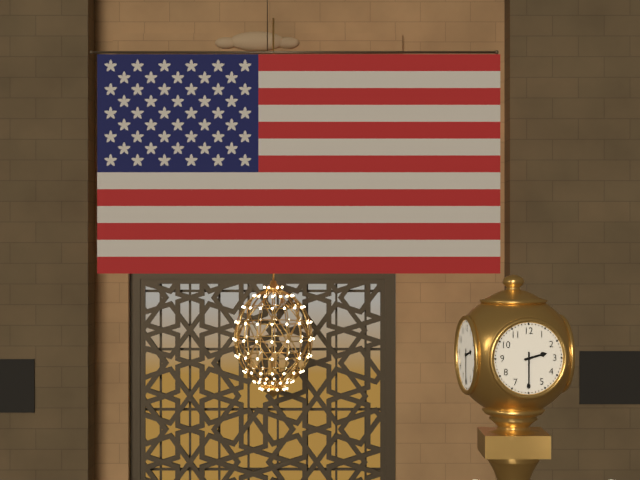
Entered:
2h30
